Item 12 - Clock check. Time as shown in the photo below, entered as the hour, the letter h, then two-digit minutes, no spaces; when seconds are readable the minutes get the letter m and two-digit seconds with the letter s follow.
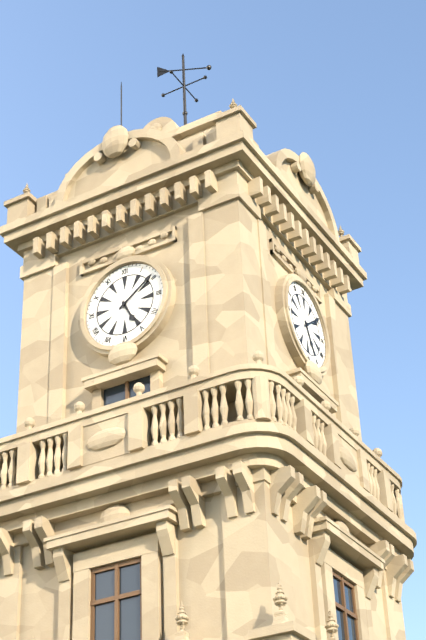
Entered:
5h09
